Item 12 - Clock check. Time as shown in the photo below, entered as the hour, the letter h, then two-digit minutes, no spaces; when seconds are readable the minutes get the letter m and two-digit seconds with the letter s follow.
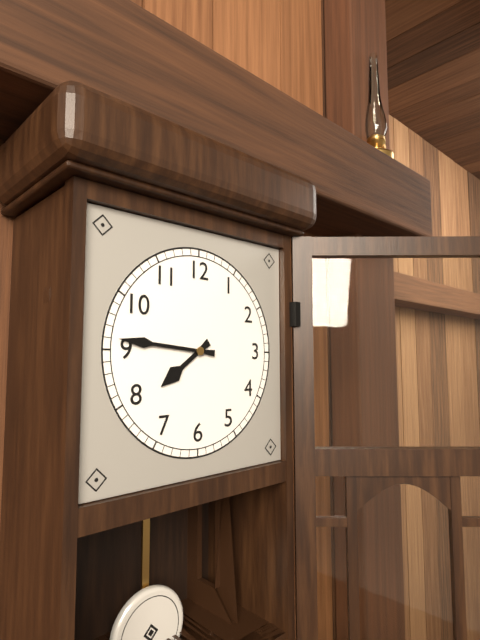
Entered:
7h46
